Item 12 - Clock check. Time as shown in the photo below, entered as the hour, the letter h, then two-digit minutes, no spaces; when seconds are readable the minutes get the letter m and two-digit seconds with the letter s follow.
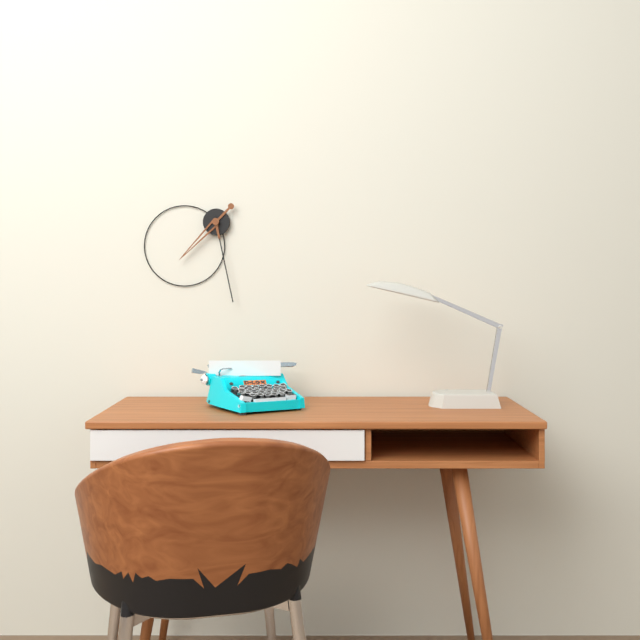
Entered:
7h28
